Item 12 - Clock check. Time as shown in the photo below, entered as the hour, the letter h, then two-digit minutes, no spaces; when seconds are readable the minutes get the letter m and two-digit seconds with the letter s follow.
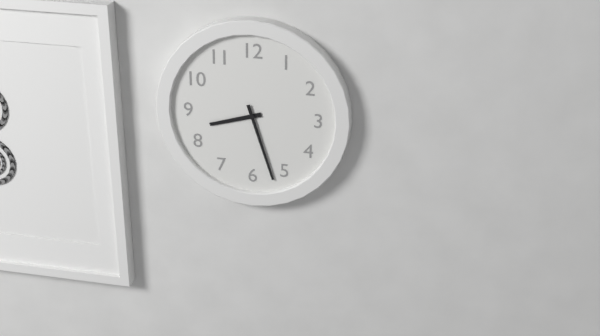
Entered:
8h27
